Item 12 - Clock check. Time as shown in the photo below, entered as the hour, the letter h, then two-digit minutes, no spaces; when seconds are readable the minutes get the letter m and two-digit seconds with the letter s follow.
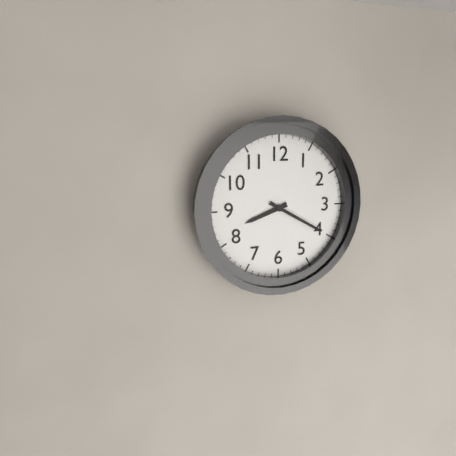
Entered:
8h20
